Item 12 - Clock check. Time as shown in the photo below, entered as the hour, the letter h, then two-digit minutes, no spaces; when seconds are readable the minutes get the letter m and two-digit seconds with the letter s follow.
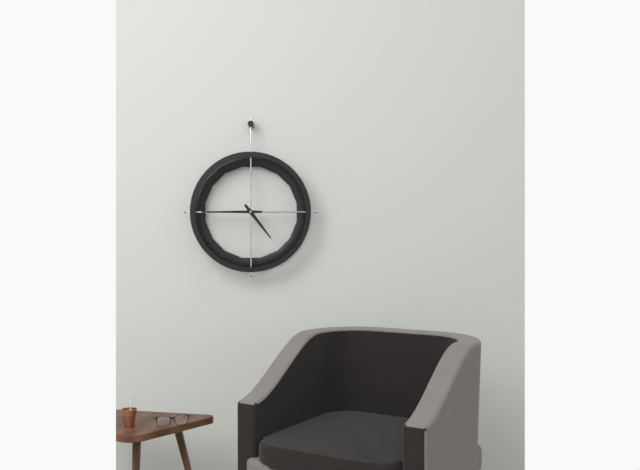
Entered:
4h45
